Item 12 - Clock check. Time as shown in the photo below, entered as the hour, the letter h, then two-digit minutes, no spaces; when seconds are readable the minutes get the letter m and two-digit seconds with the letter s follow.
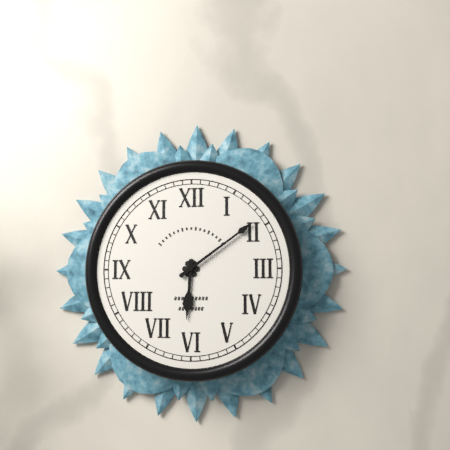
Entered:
6h09
